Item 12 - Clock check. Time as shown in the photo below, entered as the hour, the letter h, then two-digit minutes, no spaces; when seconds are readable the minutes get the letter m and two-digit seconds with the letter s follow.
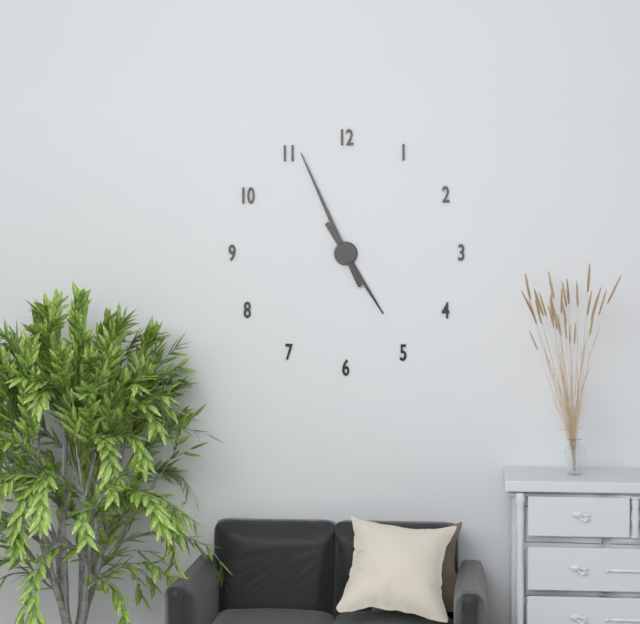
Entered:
4h56
